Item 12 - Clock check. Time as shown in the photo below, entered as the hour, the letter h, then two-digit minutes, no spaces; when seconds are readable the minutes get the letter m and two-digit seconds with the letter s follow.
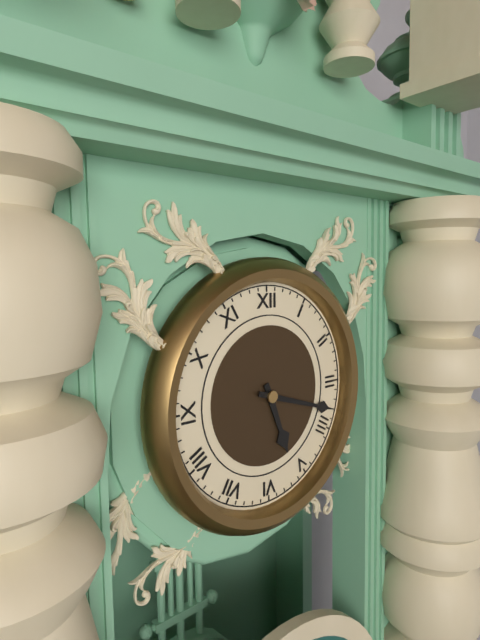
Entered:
5h18
